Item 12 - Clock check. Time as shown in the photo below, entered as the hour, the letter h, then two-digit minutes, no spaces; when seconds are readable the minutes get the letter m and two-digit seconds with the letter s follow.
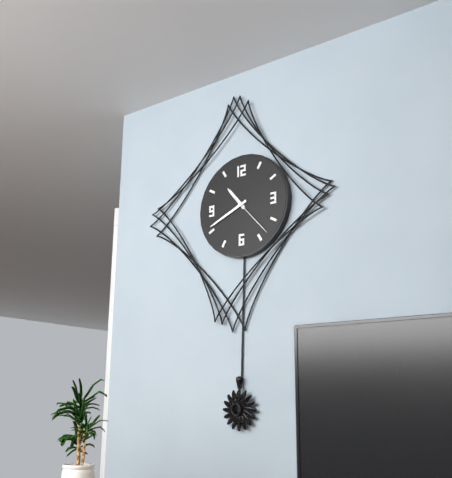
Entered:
10h41
